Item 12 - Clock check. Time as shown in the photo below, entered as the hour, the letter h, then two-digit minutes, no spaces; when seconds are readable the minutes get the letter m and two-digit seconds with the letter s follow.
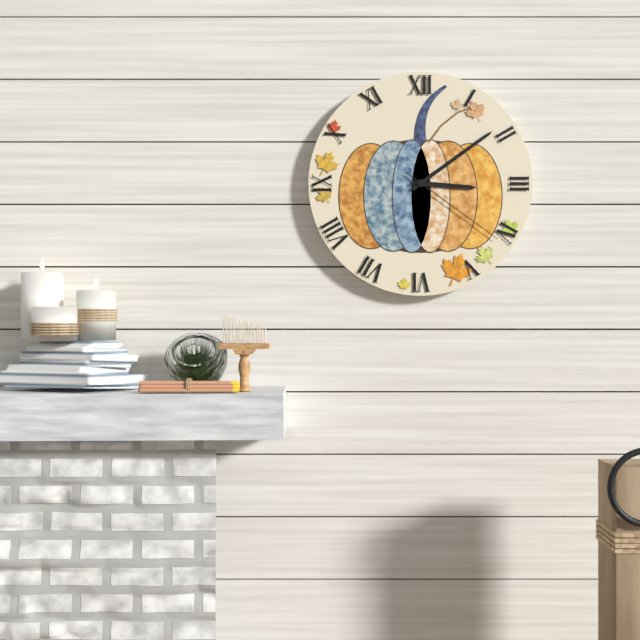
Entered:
3h09m21s
